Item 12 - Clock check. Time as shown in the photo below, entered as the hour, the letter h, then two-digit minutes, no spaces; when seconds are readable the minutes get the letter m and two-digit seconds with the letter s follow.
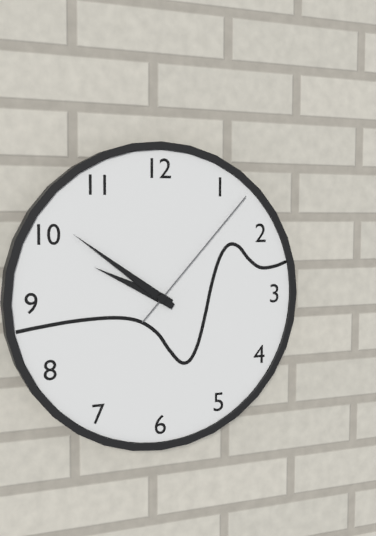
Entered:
9h51m07s
